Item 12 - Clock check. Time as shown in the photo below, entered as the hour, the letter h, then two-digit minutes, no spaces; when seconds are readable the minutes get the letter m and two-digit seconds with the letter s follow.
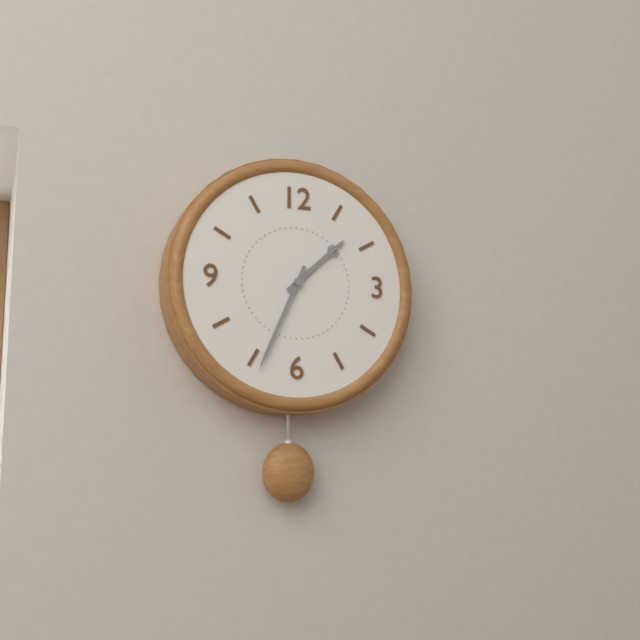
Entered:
1h34
